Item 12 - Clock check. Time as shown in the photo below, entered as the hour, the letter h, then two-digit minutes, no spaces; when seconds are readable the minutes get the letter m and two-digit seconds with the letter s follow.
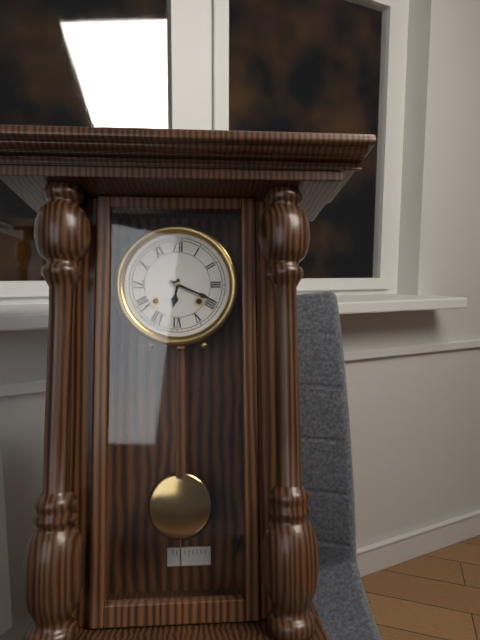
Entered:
6h19
